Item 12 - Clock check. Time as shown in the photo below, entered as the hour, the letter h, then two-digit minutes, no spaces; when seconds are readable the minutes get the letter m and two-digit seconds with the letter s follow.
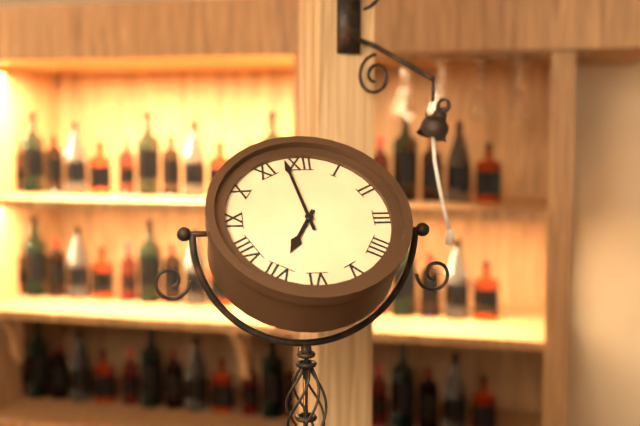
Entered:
6h58
